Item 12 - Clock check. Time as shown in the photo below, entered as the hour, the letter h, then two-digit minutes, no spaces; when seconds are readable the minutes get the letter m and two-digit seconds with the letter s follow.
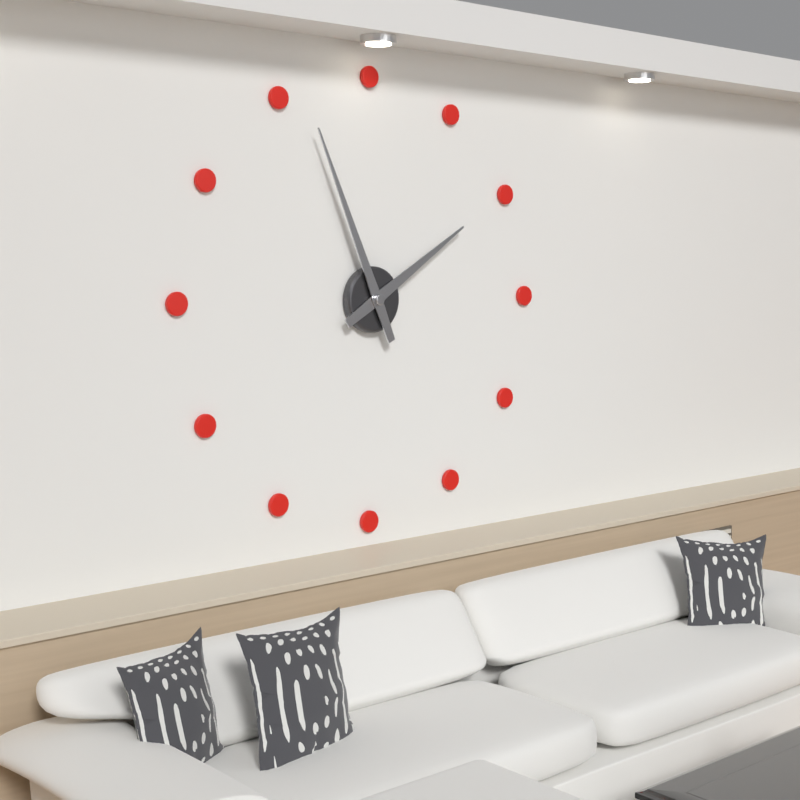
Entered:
1h56
